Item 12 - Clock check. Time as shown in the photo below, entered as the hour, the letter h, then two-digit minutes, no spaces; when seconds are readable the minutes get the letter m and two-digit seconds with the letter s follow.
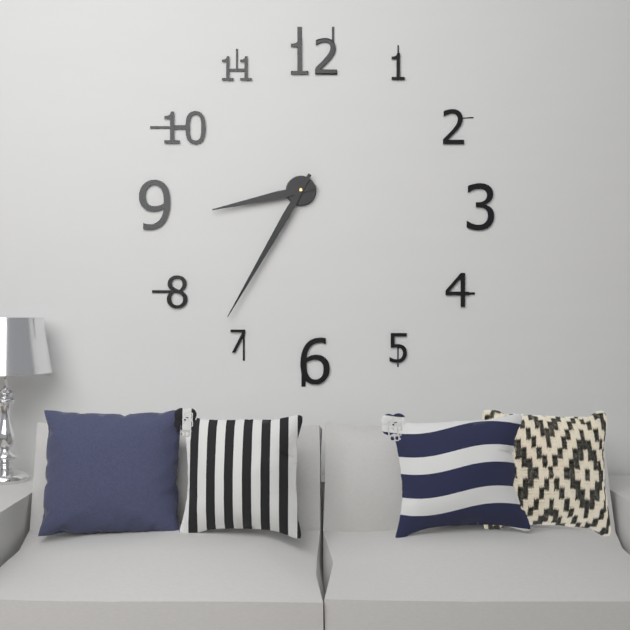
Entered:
8h35
